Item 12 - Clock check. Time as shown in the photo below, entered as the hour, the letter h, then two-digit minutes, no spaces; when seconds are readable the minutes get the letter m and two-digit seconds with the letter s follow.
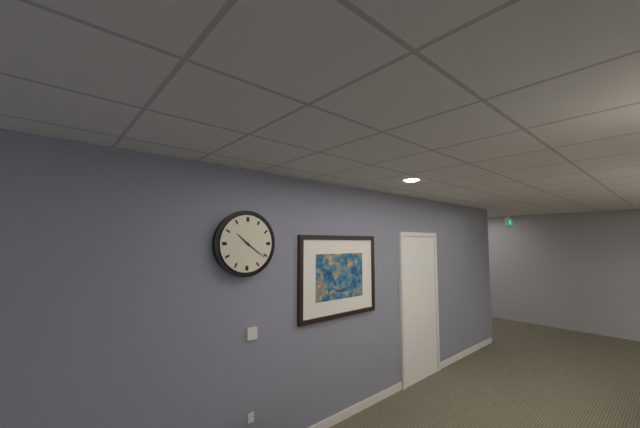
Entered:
10h21
